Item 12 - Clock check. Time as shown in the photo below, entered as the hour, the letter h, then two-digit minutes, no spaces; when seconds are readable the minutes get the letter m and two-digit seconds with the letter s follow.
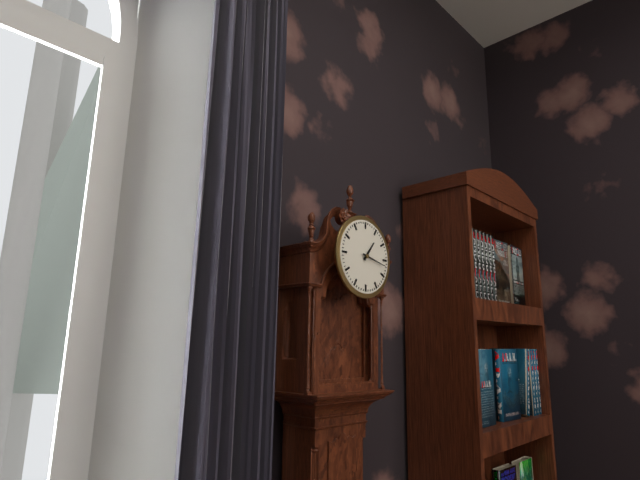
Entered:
1h17
